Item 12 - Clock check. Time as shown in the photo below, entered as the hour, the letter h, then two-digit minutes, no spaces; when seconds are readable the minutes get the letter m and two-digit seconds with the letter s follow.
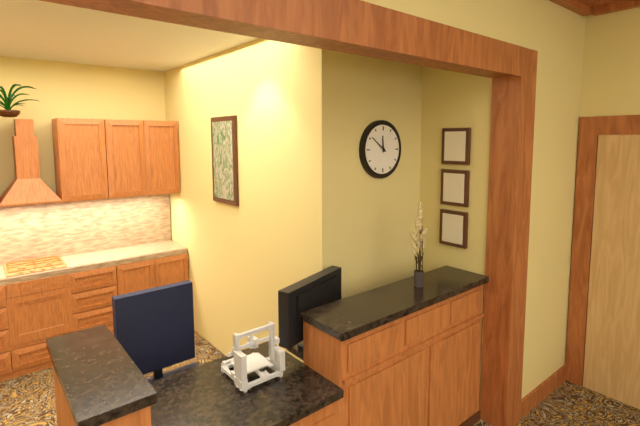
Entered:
11h51
